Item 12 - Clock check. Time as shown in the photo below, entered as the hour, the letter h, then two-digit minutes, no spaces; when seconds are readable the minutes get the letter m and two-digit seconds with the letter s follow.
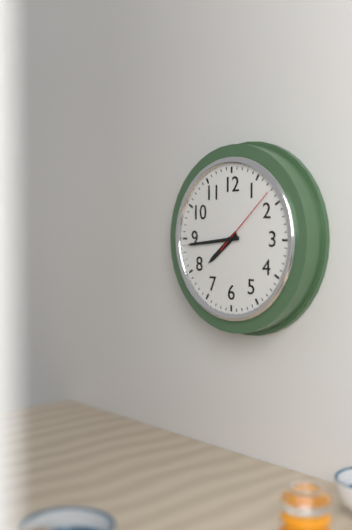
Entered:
7h44m08s
